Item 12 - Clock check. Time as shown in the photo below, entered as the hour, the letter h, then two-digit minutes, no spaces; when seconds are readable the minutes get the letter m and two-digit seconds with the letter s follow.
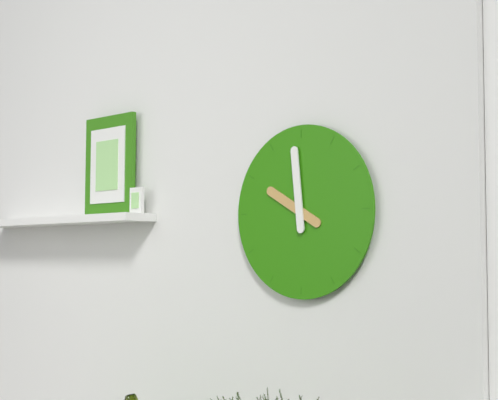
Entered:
9h59
